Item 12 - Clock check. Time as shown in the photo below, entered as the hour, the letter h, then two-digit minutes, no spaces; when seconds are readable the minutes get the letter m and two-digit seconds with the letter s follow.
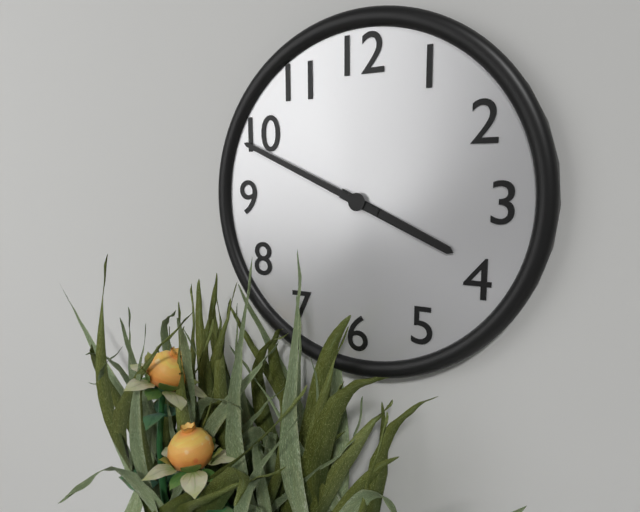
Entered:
3h49
